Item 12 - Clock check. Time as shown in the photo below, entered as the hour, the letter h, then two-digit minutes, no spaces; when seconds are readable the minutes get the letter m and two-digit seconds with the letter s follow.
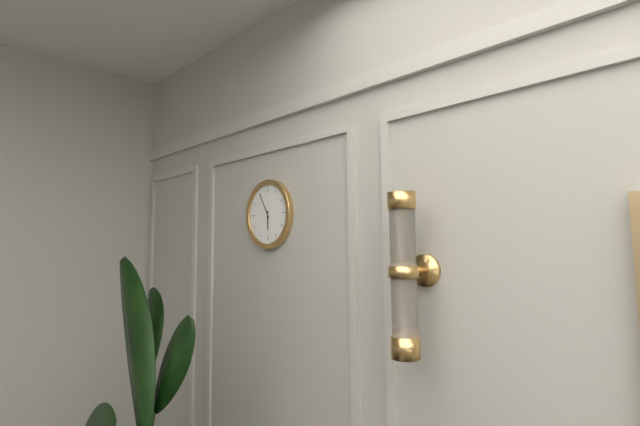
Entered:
5h55
